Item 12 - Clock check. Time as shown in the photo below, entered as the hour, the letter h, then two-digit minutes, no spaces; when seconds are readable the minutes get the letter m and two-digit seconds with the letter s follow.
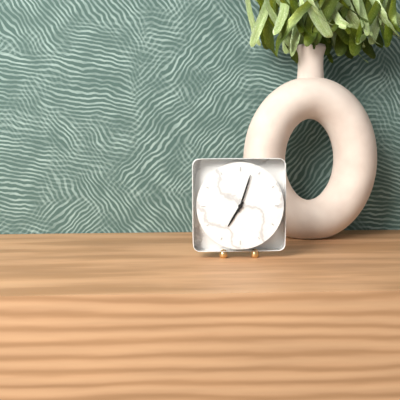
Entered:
7h03
